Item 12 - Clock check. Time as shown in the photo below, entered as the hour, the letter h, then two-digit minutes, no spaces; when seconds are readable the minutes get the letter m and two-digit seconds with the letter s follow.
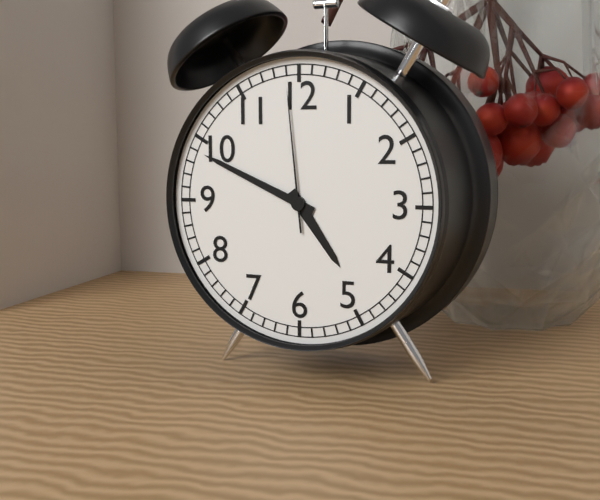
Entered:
4h49m59s
